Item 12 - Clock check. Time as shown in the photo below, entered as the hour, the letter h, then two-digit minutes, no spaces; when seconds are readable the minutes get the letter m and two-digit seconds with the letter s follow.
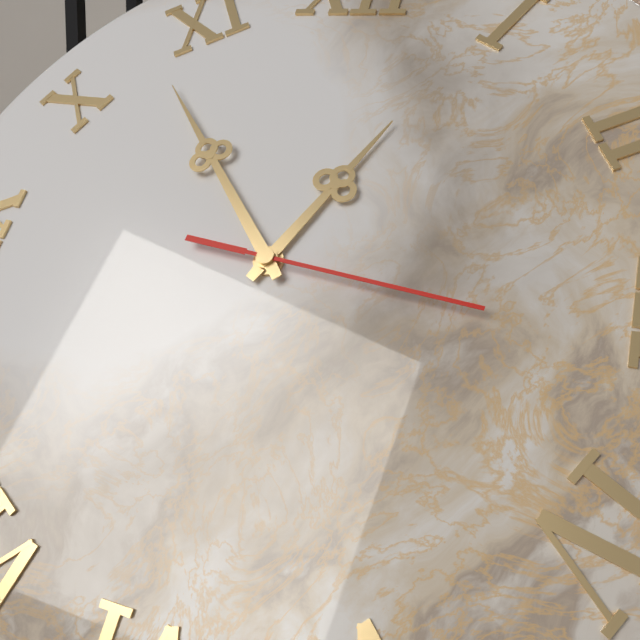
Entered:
12h53m16s
